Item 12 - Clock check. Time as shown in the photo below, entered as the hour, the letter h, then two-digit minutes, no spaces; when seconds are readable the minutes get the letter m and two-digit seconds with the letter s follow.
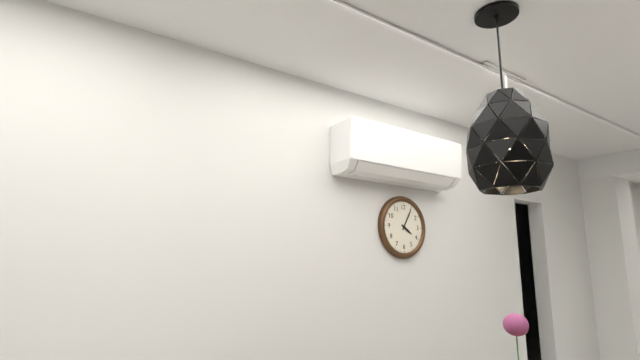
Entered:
4h05
